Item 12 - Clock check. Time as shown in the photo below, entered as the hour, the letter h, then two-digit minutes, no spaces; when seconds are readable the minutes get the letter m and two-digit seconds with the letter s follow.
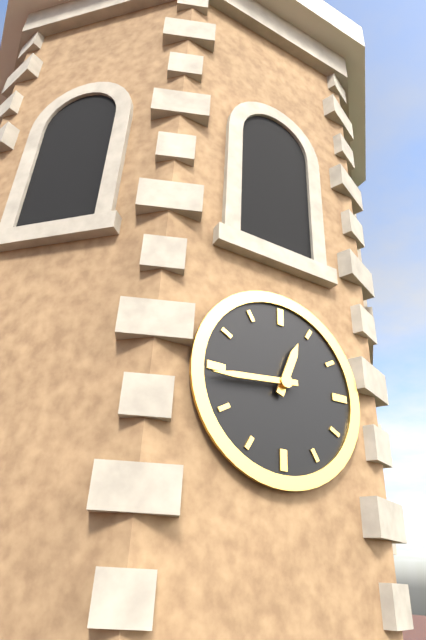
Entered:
12h44
